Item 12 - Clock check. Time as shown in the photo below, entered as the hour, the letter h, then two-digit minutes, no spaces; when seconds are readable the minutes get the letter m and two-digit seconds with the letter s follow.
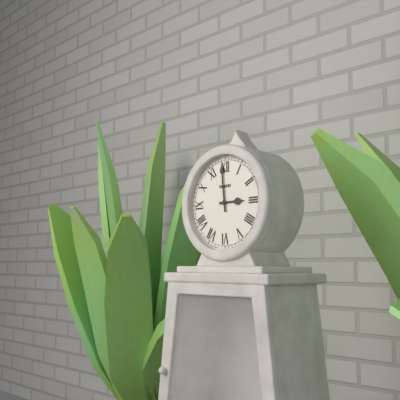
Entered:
2h59
